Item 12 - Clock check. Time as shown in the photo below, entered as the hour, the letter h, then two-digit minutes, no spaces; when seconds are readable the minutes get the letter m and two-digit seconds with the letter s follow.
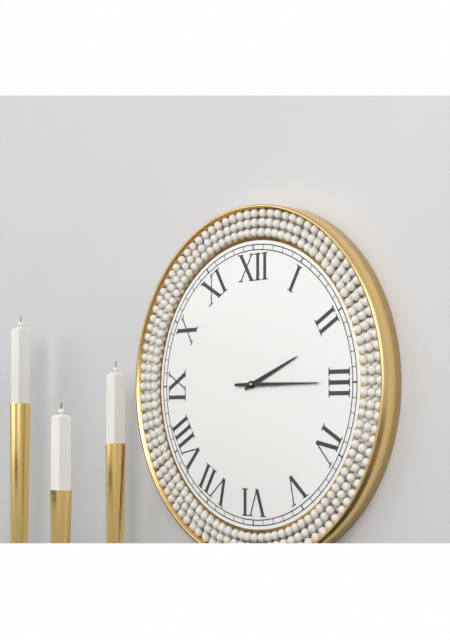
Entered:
2h15
